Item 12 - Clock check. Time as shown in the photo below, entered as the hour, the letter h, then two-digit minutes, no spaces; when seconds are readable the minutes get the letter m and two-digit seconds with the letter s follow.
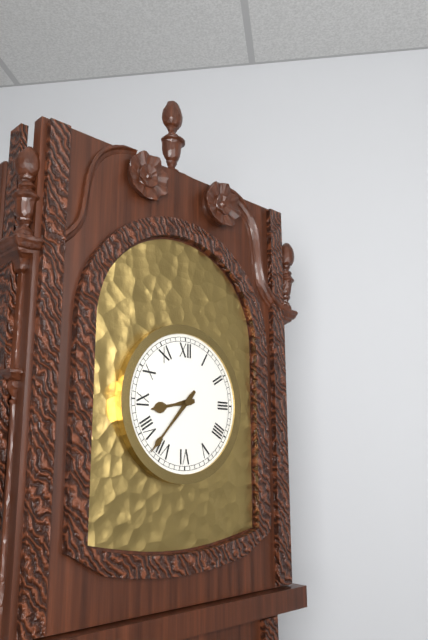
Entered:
8h37
